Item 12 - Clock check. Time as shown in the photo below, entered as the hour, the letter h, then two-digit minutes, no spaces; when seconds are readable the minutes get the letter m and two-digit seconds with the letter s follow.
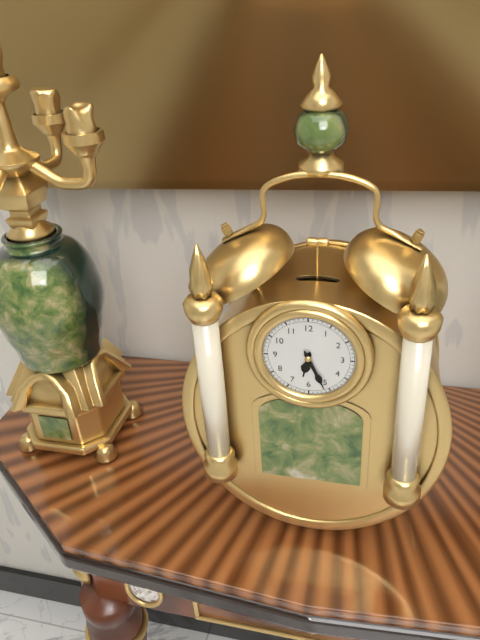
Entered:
6h26
